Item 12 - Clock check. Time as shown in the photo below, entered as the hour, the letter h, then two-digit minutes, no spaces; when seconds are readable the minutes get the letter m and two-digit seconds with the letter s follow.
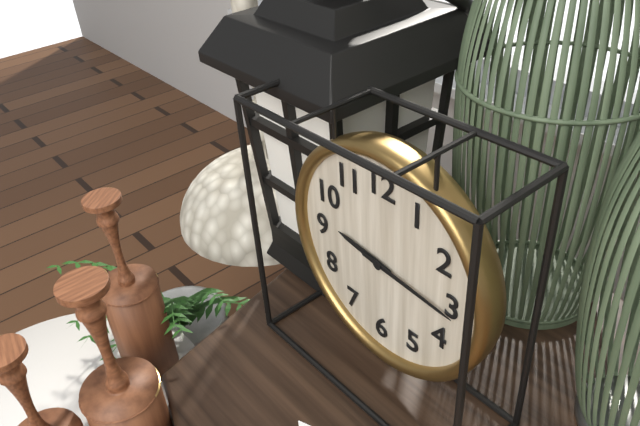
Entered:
9h16
